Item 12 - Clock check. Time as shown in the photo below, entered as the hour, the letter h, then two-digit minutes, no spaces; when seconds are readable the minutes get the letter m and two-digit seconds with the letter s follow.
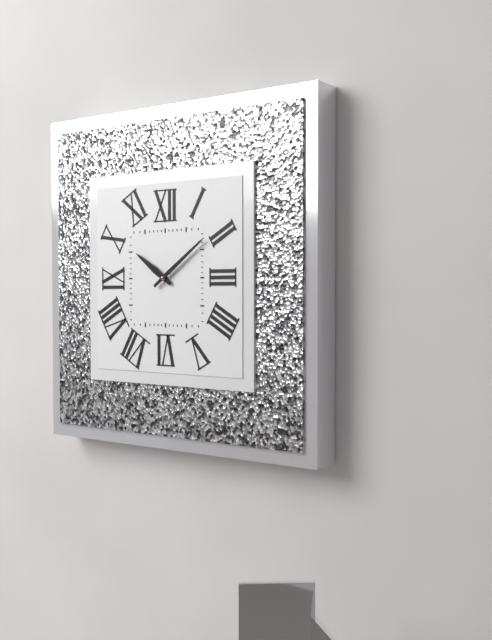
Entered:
10h09
